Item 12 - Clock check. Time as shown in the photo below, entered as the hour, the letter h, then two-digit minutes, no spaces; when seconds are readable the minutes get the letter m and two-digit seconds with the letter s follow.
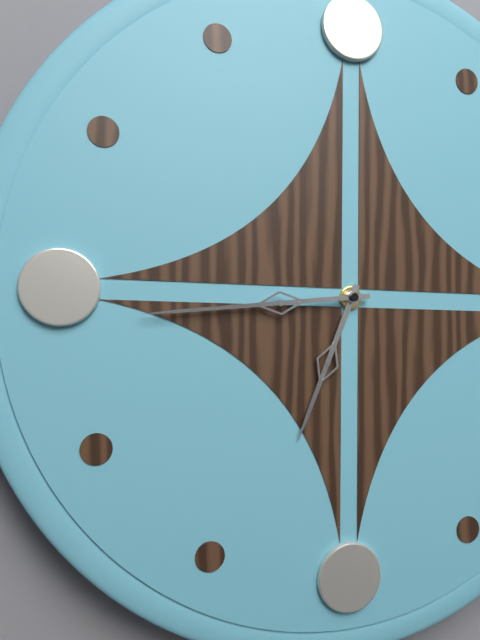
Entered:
6h44
